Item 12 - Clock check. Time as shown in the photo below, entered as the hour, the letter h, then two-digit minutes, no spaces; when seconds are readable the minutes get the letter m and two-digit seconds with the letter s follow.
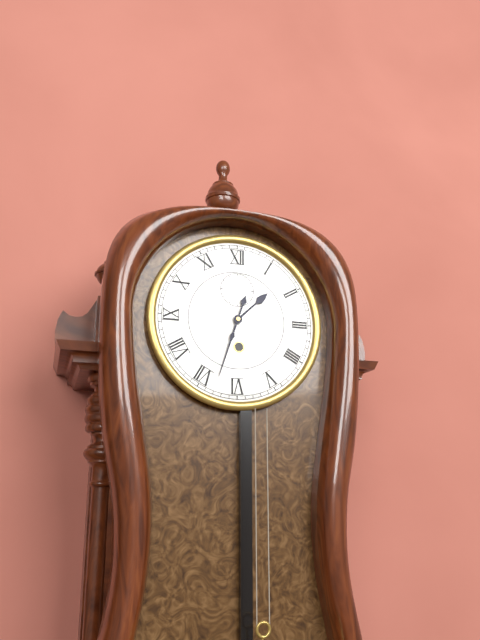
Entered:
1h33
